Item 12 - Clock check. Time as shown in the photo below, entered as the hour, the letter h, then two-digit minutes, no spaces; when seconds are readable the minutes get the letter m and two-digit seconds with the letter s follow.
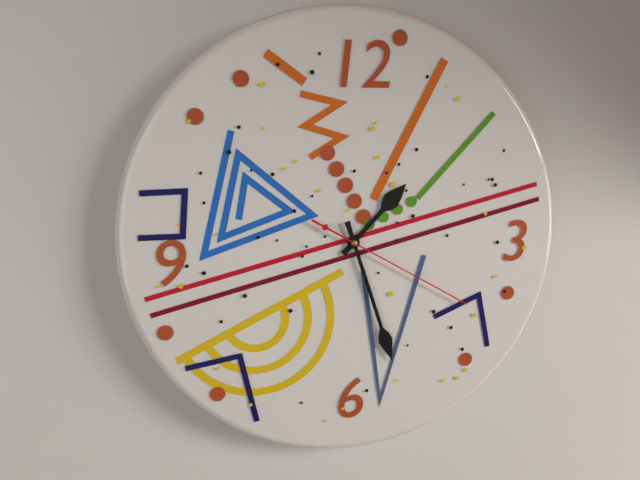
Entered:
1h27m20s
